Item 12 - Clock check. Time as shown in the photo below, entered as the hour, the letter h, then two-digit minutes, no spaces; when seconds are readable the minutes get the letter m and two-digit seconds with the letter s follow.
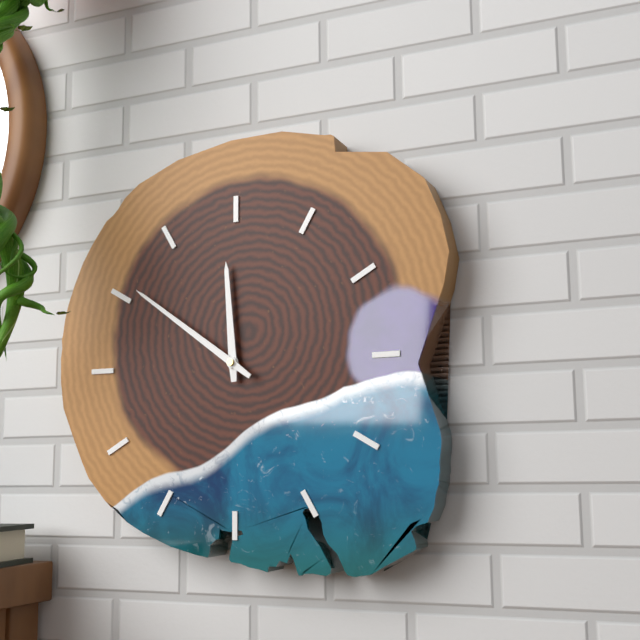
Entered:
11h51
